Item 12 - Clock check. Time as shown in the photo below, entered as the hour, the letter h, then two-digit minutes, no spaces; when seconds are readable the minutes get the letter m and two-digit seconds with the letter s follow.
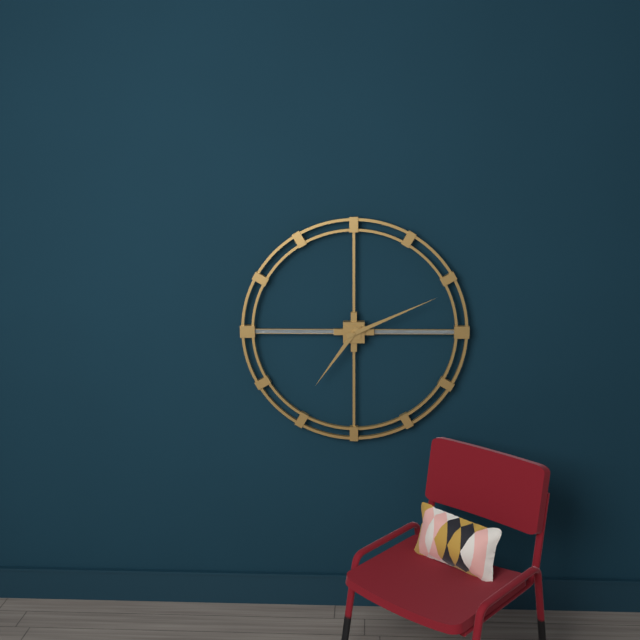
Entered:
7h11
